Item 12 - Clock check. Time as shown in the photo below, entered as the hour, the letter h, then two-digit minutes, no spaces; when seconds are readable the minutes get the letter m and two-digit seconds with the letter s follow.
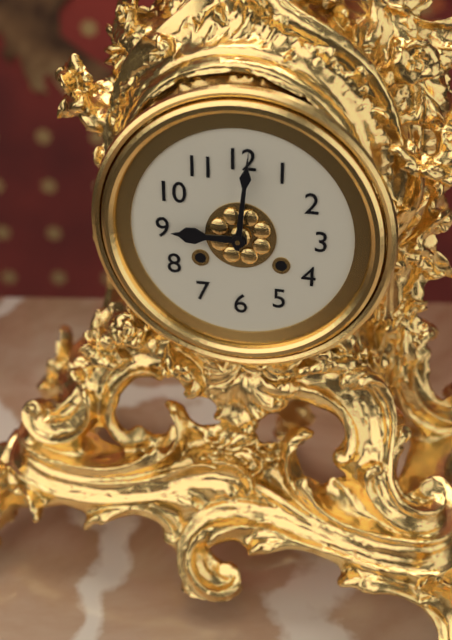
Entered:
9h01
